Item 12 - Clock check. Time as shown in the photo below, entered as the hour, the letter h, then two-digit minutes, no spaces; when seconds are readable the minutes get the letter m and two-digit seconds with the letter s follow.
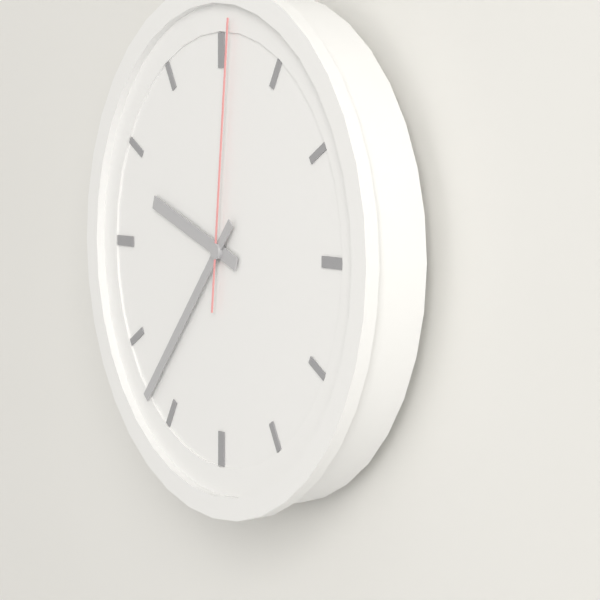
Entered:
9h37m01s
